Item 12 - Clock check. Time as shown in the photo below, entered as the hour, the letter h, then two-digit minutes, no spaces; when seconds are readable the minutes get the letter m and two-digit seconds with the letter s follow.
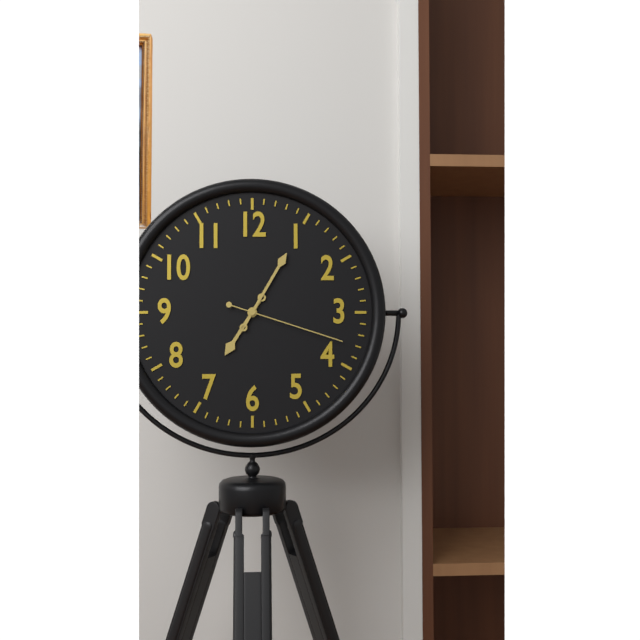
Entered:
7h05m18s
